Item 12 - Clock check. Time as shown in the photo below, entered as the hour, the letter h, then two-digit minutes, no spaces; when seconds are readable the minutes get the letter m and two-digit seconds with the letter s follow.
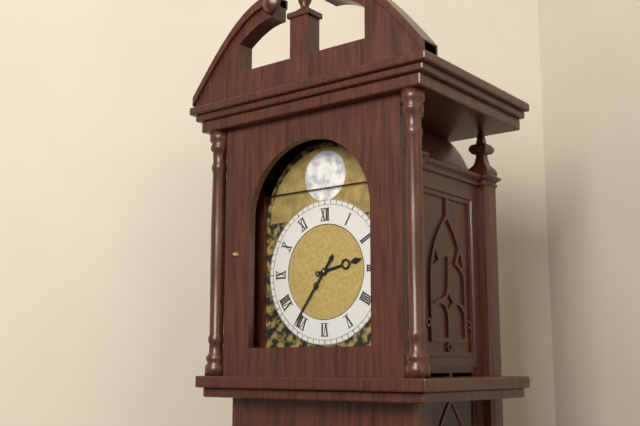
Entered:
2h36
